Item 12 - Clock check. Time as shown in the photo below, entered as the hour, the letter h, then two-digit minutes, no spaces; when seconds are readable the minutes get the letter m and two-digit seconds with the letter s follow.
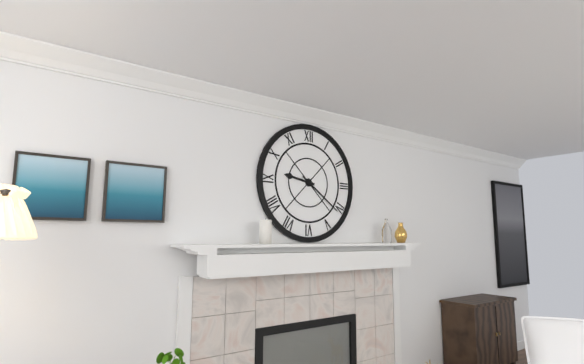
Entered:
9h21
